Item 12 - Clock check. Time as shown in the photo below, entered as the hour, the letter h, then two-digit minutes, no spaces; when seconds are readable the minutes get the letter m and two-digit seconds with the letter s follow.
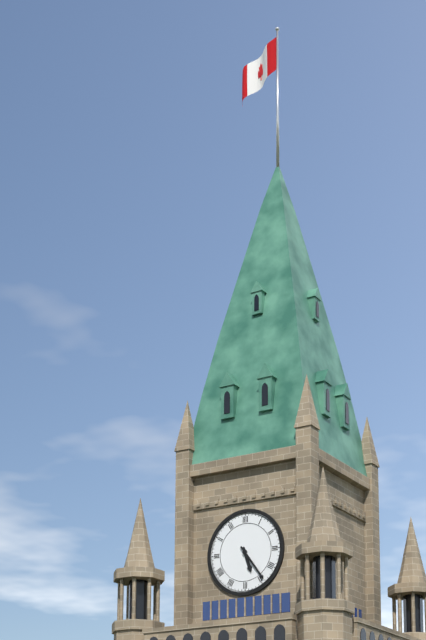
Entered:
5h24
